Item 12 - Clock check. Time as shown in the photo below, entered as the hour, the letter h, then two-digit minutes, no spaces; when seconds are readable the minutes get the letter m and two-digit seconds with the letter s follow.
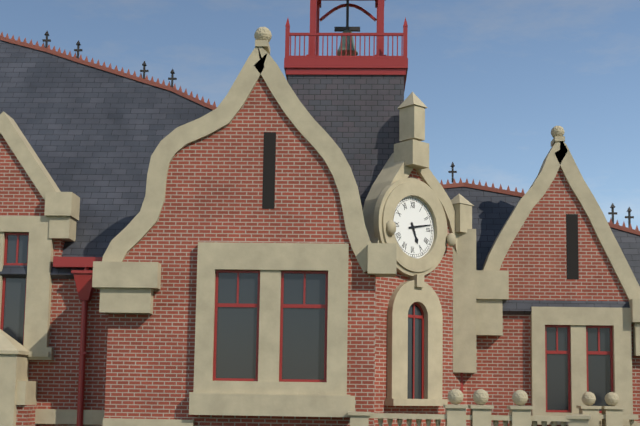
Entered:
5h13
